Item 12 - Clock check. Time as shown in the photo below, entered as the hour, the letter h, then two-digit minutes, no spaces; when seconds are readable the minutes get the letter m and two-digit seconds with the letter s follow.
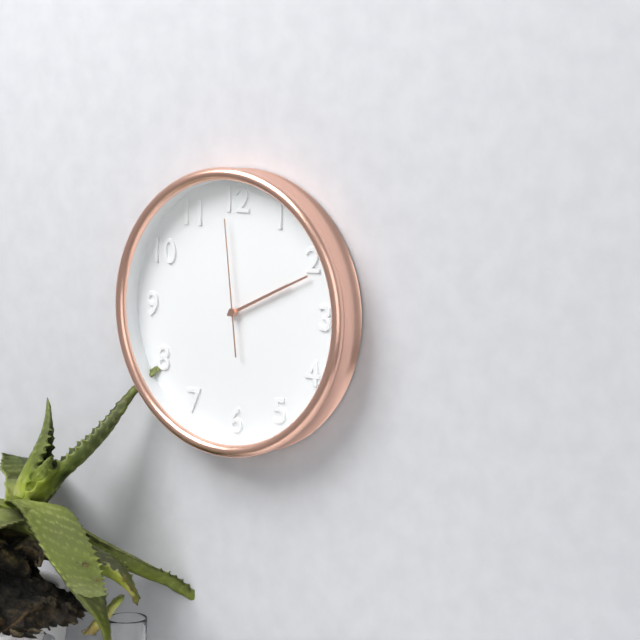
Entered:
2h11m59s
